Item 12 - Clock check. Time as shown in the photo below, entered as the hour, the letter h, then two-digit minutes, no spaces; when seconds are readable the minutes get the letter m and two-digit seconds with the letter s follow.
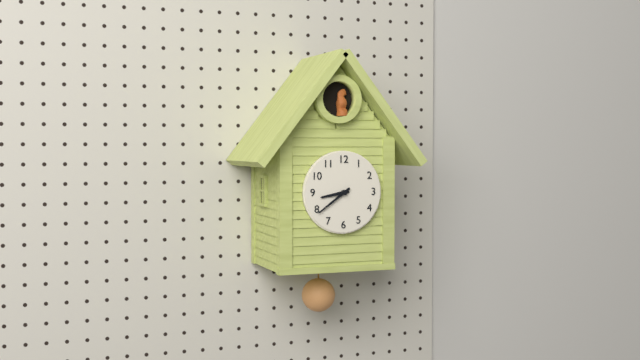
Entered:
8h39
